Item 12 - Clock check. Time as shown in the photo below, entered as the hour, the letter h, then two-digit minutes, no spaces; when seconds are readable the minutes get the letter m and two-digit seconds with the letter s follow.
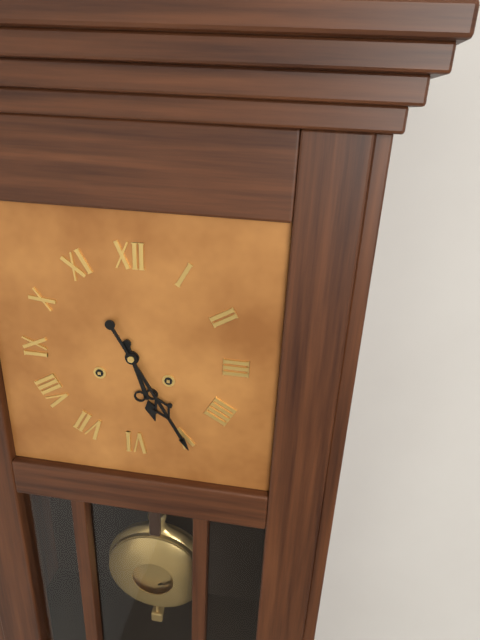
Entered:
5h25
